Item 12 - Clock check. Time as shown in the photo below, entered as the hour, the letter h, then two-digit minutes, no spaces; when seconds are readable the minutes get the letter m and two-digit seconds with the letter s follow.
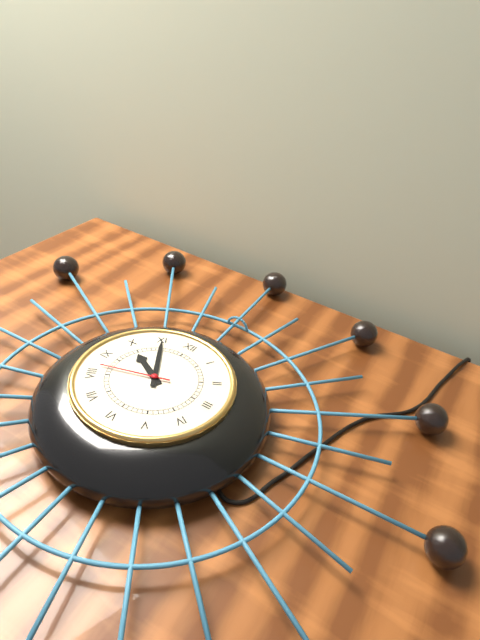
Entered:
9h55m42s
